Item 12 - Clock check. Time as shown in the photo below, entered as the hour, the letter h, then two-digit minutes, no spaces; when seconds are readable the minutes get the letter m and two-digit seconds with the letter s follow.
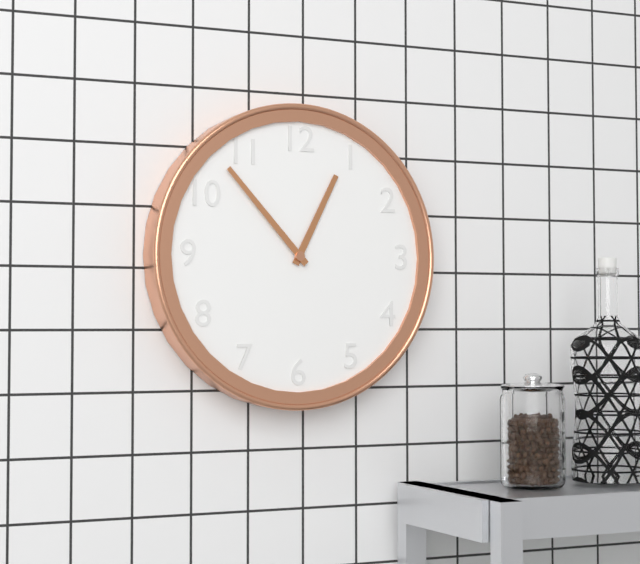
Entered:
12h53
